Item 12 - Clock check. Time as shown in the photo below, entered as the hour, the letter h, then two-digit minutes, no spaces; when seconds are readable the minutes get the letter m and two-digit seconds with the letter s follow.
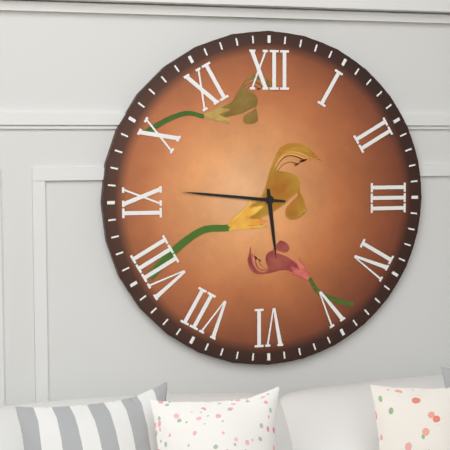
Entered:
5h46
